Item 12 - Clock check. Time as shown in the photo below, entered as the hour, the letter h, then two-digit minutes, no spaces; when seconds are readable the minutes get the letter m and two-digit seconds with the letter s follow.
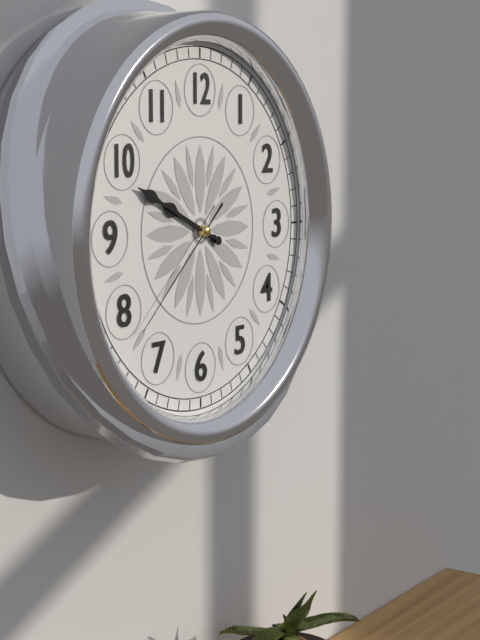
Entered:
9h49m38s
